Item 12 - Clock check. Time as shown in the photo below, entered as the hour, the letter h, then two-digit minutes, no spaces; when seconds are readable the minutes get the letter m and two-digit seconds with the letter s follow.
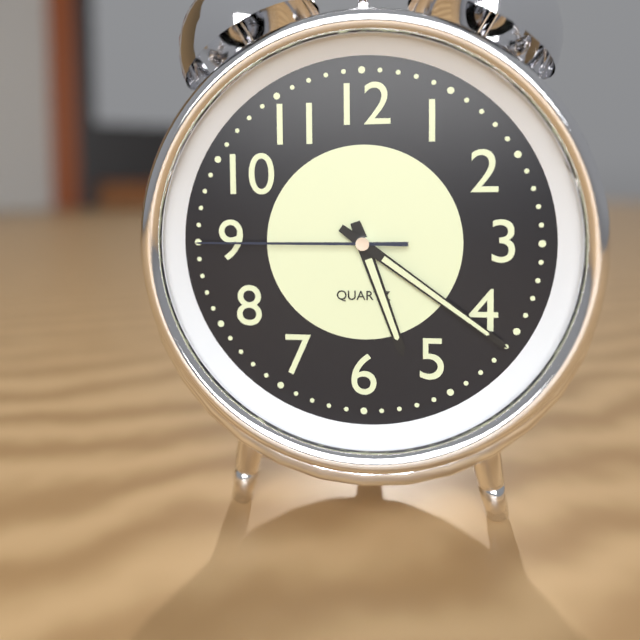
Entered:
5h21m45s
